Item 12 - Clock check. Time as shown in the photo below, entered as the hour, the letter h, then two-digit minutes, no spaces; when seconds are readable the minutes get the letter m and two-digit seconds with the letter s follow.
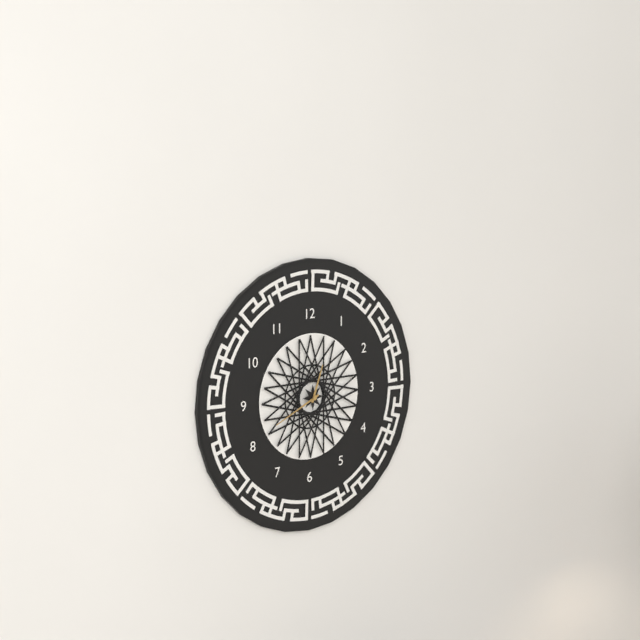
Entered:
12h41
